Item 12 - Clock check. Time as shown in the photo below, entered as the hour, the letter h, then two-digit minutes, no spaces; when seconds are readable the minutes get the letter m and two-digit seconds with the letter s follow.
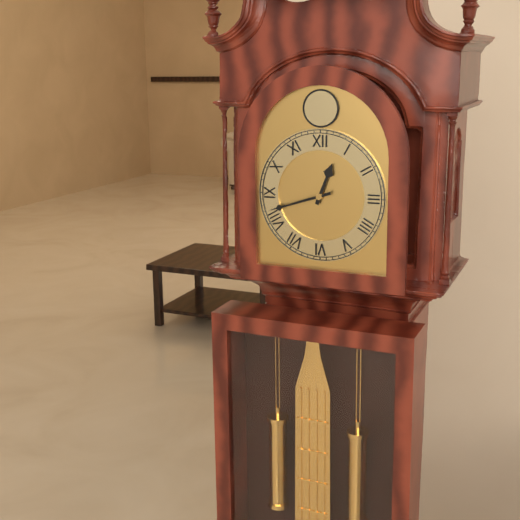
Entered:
12h42
